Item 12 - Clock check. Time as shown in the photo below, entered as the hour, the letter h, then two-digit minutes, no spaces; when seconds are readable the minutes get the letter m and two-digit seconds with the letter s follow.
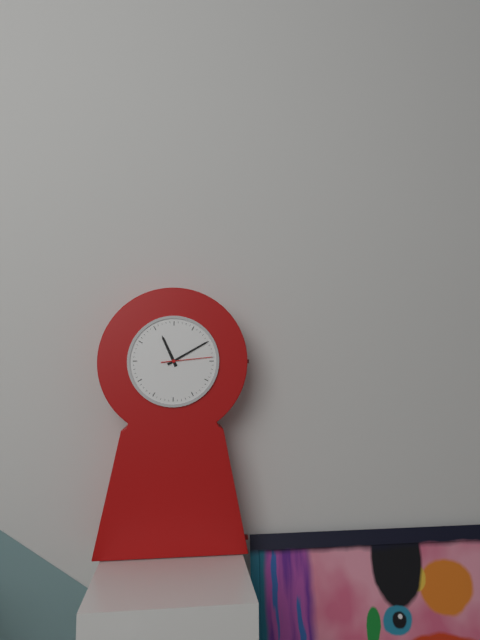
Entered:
11h10m14s
